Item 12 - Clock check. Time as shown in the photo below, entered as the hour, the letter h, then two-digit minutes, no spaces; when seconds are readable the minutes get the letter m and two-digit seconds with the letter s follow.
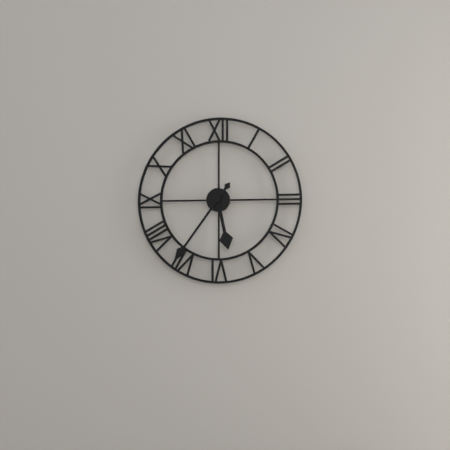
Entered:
5h36
